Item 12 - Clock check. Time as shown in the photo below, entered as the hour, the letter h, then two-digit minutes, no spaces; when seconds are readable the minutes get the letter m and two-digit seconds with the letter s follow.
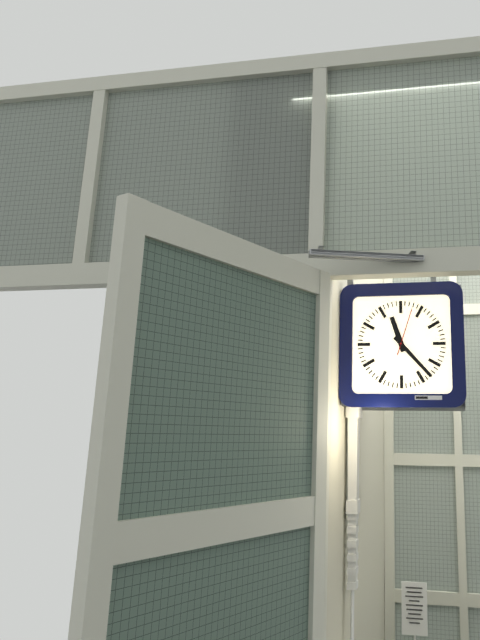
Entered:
11h23
